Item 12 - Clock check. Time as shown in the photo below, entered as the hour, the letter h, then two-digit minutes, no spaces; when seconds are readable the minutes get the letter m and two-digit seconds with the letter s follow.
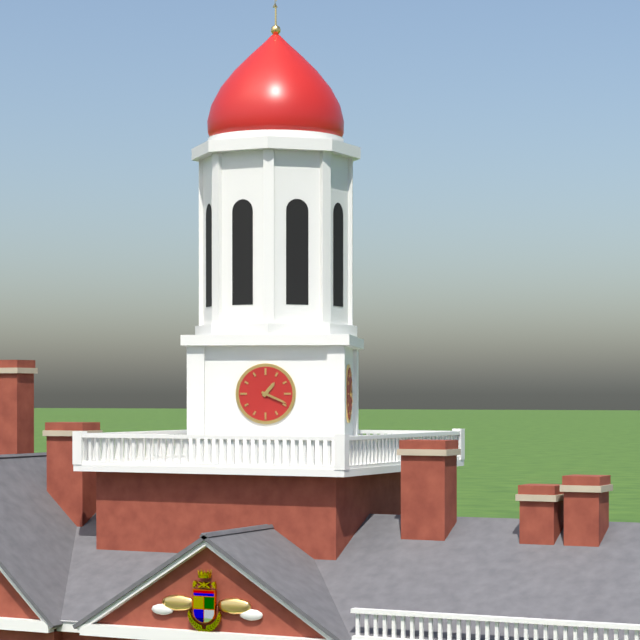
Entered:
1h19
